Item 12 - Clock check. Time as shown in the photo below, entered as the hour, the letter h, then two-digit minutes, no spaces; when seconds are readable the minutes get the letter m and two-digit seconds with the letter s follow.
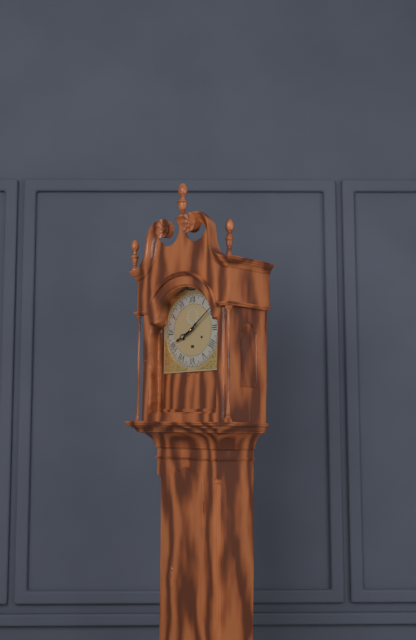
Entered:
8h09
